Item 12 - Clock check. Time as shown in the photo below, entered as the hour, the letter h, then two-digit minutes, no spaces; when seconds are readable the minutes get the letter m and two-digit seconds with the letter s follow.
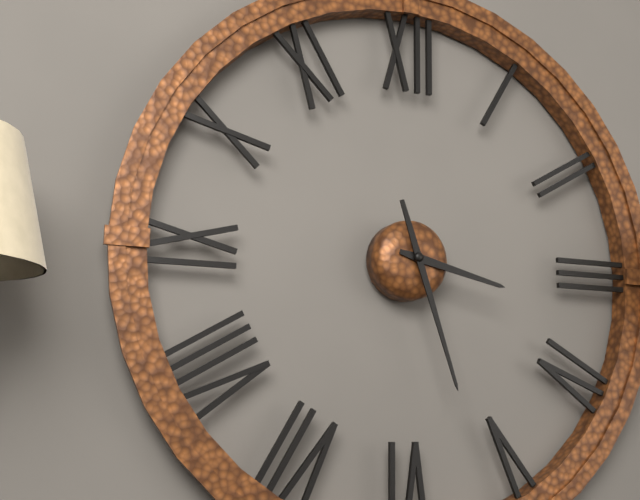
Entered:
3h27
